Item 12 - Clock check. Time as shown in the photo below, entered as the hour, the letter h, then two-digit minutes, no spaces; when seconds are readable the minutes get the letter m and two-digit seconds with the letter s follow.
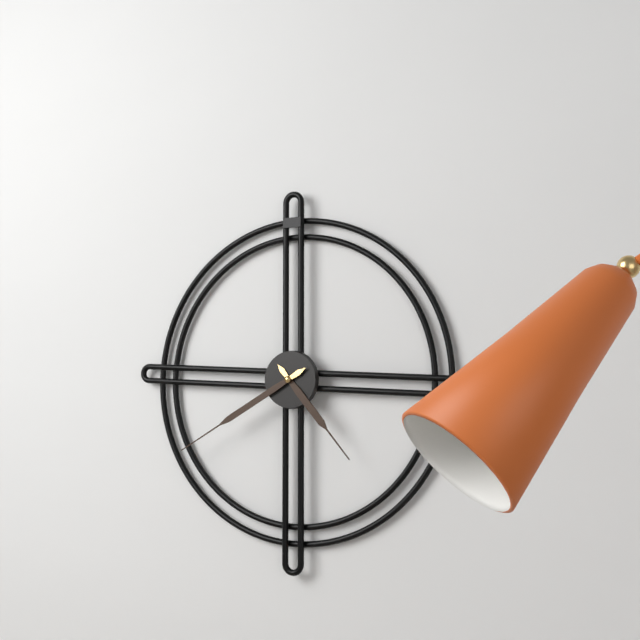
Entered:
4h40
